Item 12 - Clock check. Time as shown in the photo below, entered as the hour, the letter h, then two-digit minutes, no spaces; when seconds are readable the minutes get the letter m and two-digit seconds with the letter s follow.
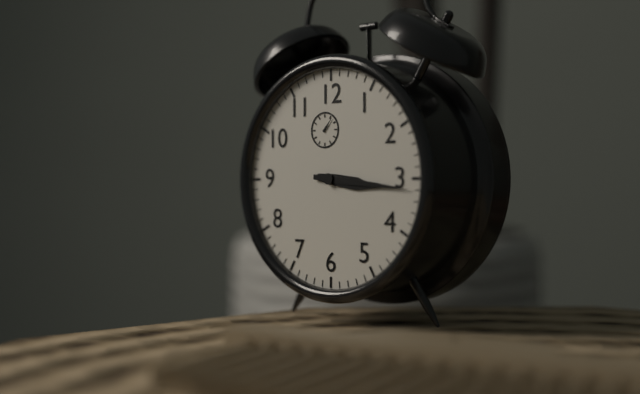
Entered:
3h16
